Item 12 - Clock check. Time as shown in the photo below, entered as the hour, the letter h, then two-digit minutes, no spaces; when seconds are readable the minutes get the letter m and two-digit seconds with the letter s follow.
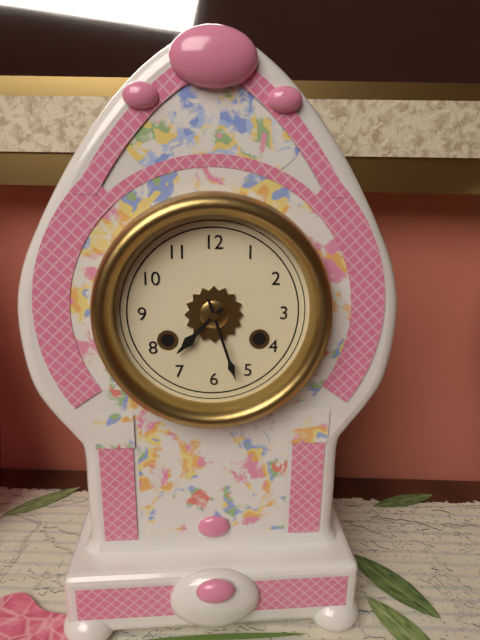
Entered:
7h27
